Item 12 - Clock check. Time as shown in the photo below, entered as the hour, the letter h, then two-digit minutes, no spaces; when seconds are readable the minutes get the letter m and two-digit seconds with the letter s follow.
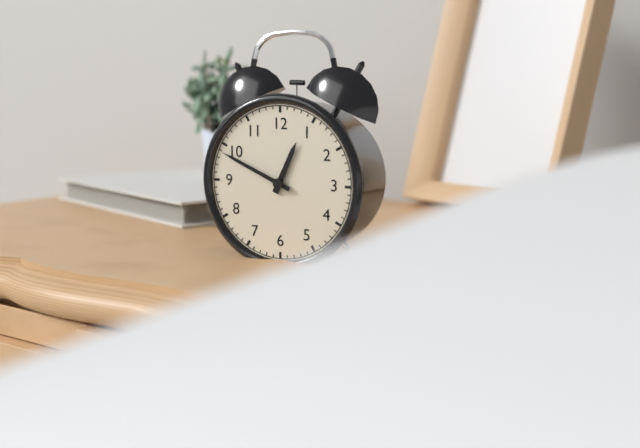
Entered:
12h49
